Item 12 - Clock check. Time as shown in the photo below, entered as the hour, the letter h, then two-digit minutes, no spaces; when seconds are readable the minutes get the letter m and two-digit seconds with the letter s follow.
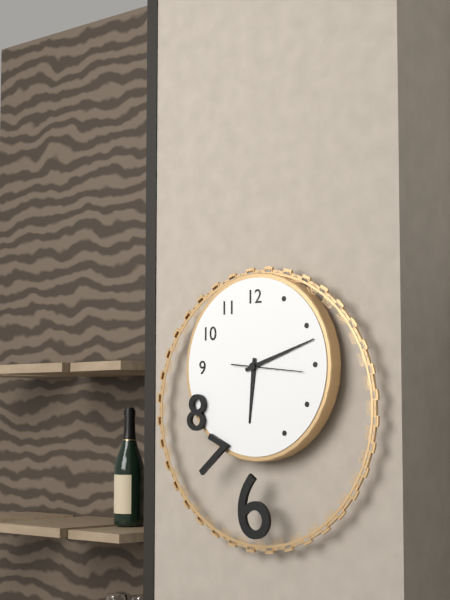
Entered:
6h12m16s
